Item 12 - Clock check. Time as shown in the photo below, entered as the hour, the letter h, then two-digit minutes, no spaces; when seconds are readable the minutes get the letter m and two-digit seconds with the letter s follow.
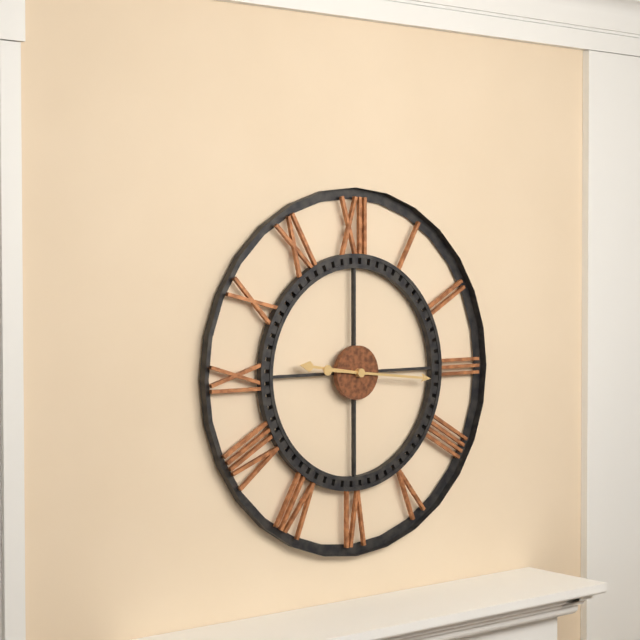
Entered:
9h16
